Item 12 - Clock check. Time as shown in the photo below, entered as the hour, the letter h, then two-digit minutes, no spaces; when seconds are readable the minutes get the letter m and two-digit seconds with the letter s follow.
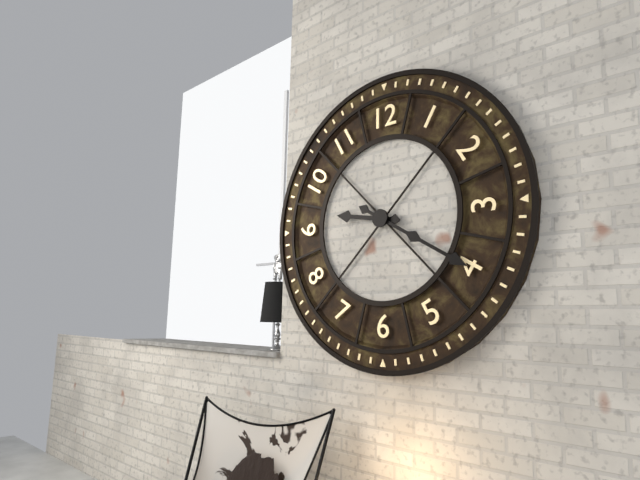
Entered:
9h20
